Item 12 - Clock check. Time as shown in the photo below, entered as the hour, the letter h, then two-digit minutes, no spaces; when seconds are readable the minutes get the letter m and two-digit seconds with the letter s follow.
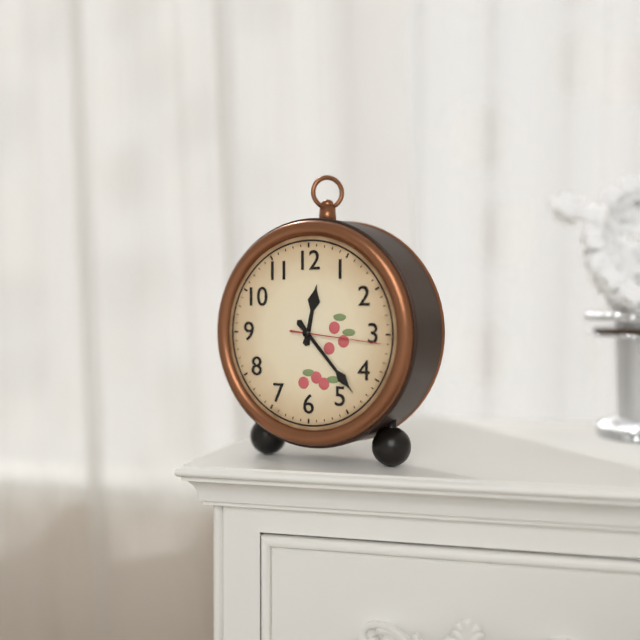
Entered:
12h23m16s
